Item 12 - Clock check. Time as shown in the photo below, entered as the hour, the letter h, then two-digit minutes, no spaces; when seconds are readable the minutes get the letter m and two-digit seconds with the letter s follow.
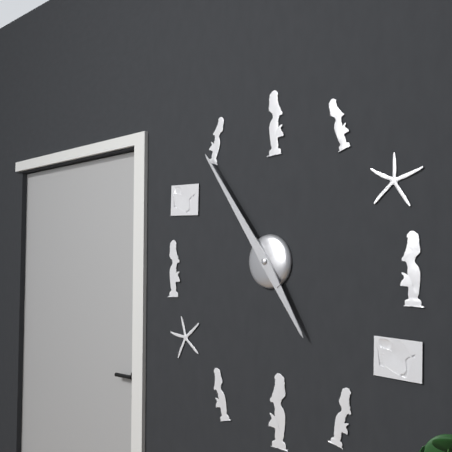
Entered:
4h54
